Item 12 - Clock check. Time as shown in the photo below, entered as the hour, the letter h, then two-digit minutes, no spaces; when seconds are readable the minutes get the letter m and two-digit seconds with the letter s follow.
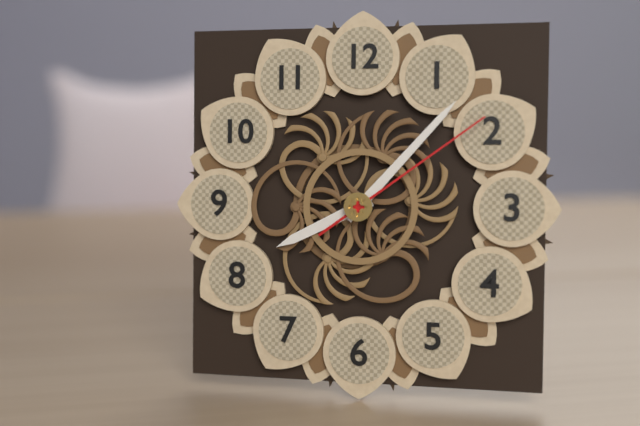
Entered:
8h07m09s
